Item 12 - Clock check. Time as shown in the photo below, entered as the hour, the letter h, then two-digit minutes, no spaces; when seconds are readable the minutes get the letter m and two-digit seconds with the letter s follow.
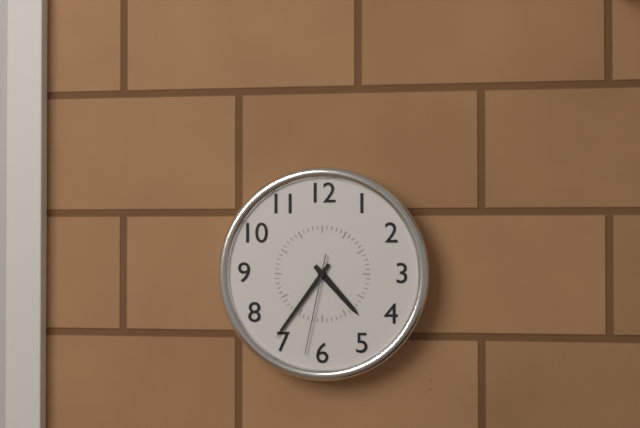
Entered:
4h36m32s
